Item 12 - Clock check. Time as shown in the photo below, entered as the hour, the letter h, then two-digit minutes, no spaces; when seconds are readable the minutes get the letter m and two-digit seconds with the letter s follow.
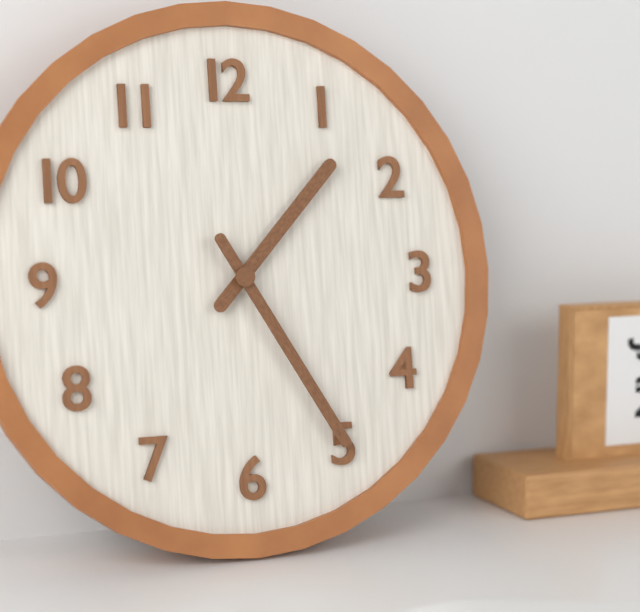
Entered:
1h25
